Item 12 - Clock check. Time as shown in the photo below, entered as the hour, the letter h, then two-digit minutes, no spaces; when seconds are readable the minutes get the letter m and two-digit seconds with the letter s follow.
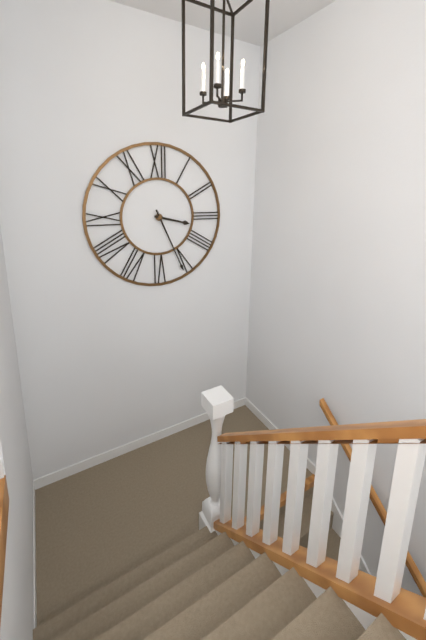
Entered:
3h26
